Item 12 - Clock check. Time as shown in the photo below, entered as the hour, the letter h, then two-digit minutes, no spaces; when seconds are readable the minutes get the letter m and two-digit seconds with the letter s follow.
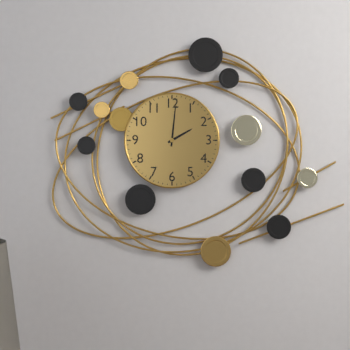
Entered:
2h01
